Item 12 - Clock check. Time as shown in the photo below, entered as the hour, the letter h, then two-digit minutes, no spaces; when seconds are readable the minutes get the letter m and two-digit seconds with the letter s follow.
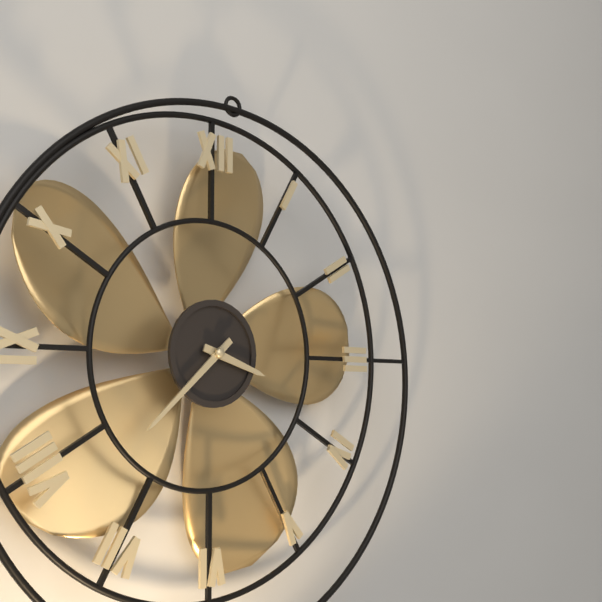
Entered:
3h38
